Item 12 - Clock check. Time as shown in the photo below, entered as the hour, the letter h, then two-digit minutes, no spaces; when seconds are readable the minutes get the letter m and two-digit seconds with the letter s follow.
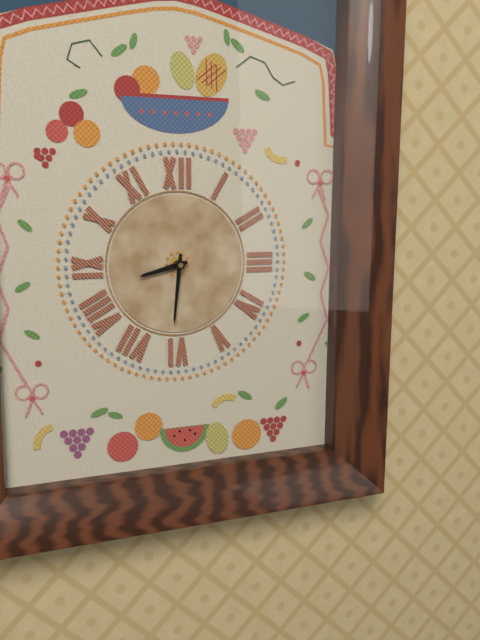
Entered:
8h31
